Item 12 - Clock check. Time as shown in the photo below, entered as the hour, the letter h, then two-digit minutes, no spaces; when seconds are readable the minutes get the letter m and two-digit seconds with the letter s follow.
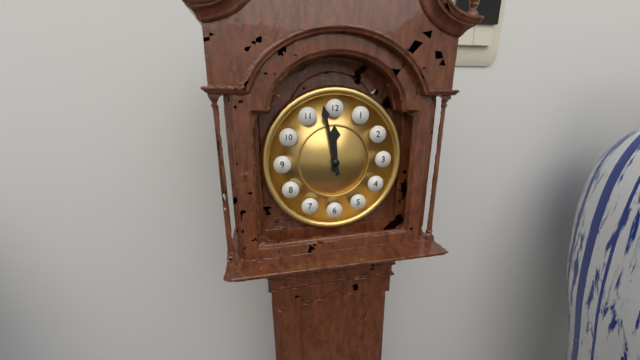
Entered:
11h58
